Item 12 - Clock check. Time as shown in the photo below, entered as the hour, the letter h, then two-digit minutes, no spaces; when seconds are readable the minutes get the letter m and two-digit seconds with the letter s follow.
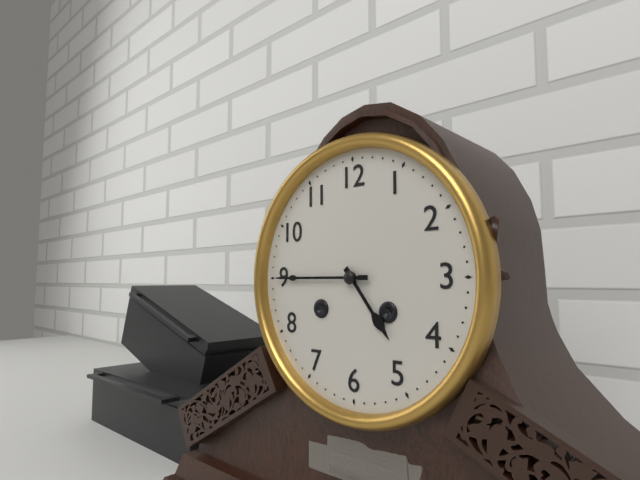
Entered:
4h45
